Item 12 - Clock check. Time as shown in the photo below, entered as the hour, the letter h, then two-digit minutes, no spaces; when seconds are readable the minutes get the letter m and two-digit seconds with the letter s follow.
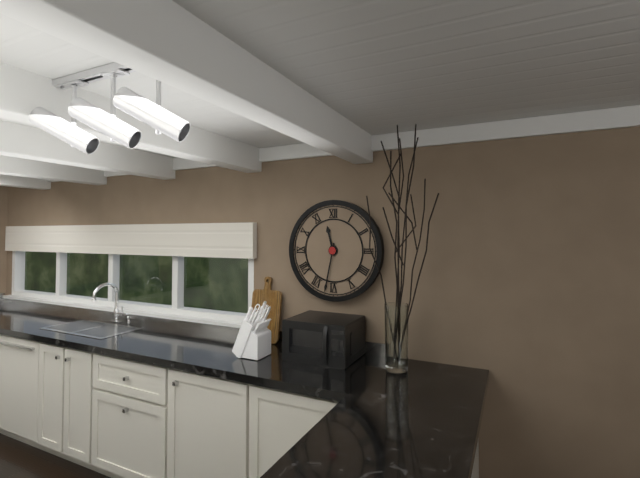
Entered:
11h32
